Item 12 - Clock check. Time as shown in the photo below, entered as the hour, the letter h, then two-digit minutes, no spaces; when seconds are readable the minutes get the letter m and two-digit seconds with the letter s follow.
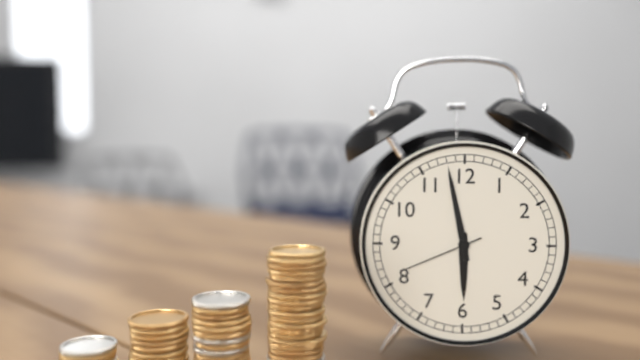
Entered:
5h58m41s
